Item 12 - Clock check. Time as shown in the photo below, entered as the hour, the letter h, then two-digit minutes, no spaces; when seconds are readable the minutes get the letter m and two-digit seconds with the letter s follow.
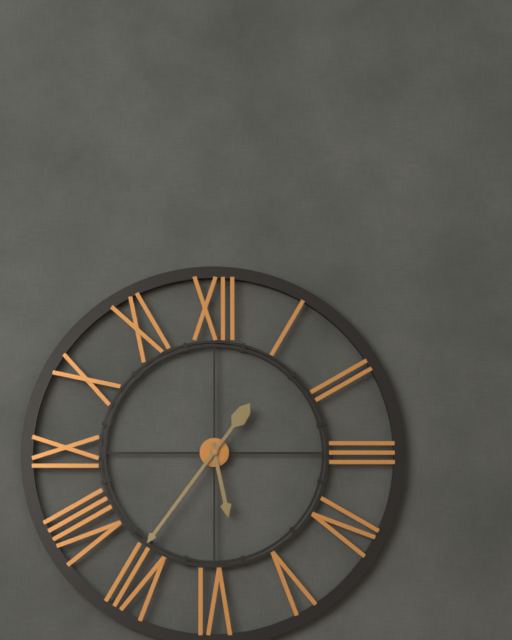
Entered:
5h36
